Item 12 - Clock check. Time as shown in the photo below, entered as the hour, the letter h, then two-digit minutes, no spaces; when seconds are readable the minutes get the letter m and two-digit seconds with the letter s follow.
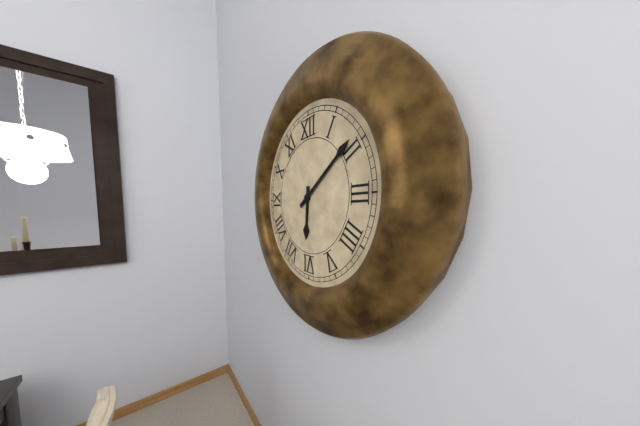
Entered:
6h09
